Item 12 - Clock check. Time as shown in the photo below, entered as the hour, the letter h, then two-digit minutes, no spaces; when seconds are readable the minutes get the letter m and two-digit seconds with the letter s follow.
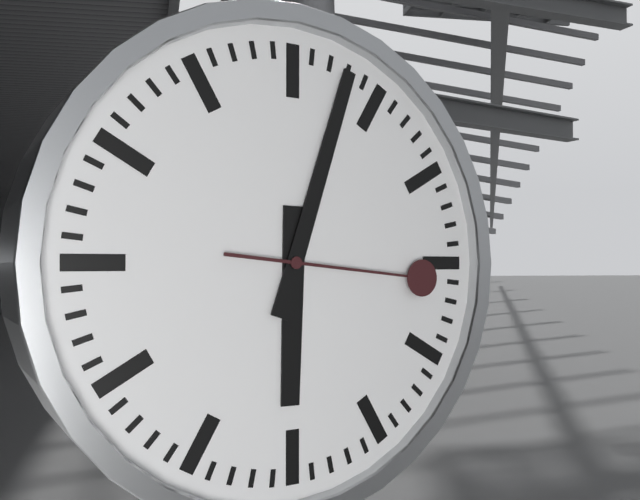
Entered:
6h03m16s
